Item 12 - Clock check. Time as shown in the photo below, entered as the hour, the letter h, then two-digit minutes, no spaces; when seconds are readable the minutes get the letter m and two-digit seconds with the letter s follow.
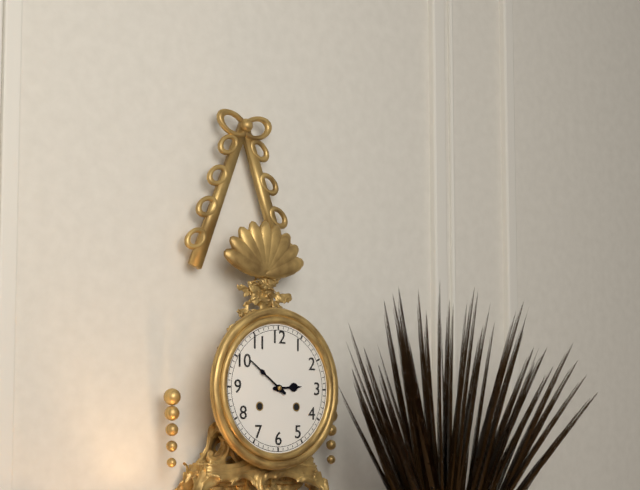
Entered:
2h51
